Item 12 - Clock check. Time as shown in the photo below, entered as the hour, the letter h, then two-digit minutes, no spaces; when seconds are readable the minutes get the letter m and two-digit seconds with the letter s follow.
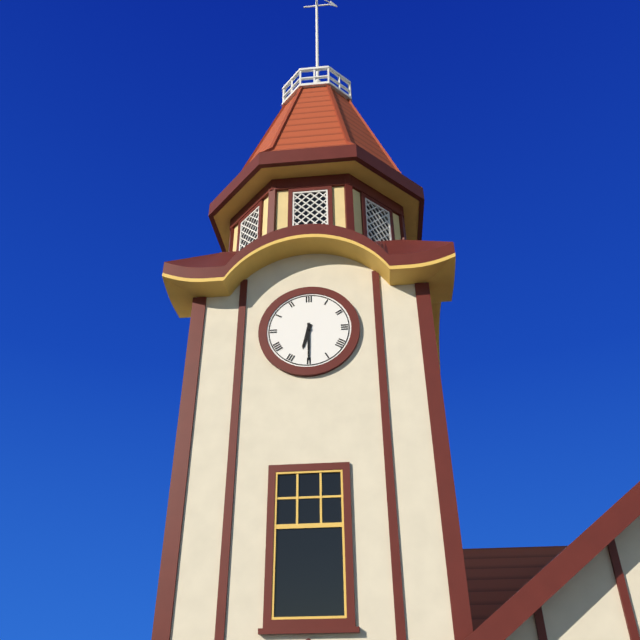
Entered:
6h30
